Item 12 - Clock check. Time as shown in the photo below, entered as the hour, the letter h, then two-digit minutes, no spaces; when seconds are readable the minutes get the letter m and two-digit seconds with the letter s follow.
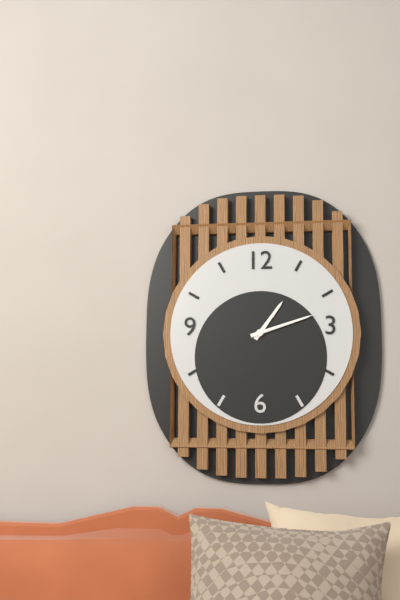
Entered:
1h12
